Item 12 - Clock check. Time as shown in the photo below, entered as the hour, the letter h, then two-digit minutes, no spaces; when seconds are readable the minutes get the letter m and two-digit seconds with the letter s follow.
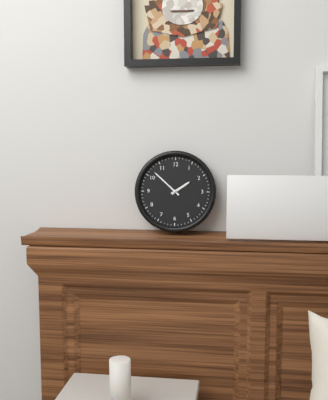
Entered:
1h52
